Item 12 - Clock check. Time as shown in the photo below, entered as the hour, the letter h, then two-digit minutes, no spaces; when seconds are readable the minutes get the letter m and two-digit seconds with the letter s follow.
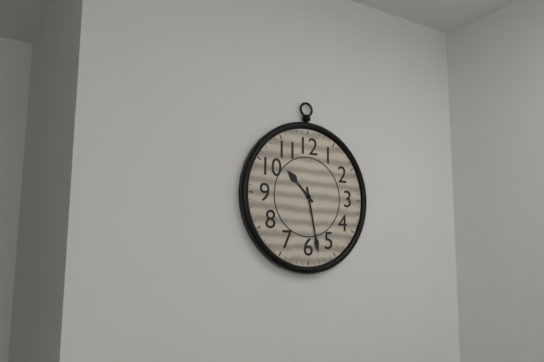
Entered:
10h28
